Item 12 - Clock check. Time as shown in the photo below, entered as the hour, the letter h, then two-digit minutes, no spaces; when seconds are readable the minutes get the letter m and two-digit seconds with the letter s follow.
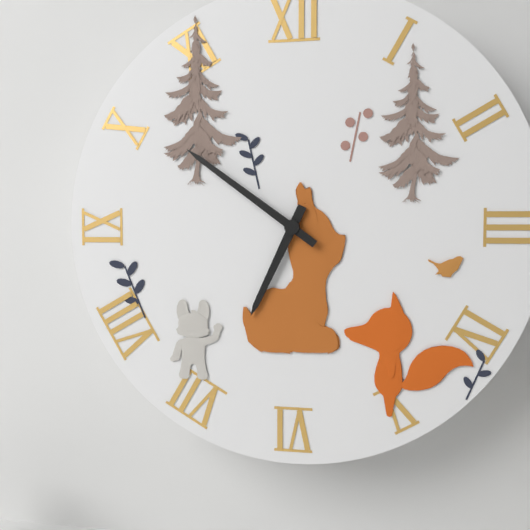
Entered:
6h51
